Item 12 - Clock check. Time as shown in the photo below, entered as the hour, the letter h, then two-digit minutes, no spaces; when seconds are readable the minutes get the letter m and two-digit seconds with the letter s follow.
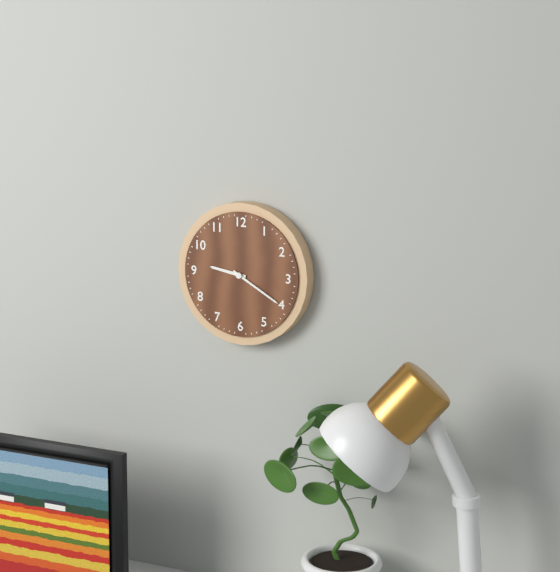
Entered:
9h20
